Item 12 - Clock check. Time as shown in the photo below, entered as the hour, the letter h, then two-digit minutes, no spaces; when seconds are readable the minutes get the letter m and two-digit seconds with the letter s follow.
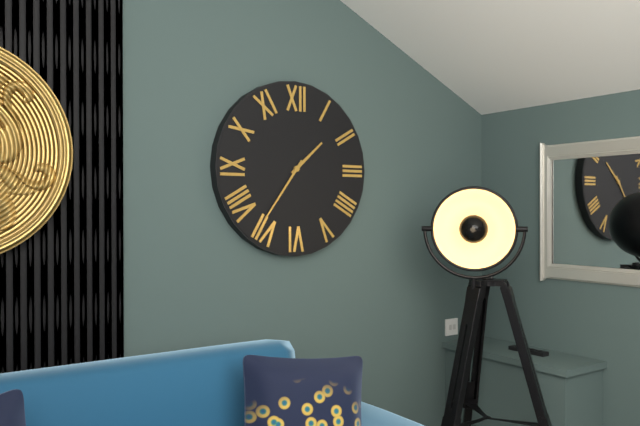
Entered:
1h36
